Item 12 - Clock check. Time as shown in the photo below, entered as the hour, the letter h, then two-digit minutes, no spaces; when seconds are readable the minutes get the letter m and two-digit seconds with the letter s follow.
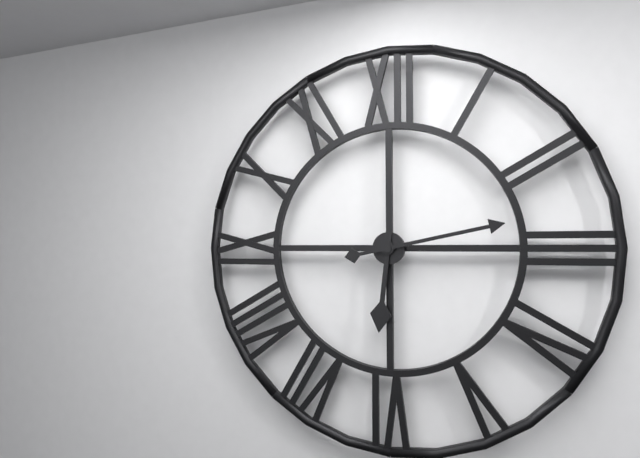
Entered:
6h13
